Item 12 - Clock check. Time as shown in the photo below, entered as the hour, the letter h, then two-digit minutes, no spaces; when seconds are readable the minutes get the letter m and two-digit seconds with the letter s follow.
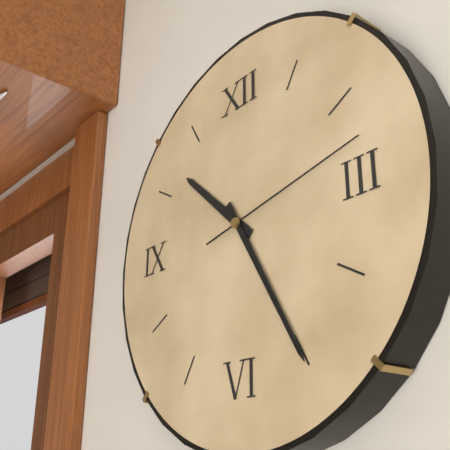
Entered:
10h25m13s
